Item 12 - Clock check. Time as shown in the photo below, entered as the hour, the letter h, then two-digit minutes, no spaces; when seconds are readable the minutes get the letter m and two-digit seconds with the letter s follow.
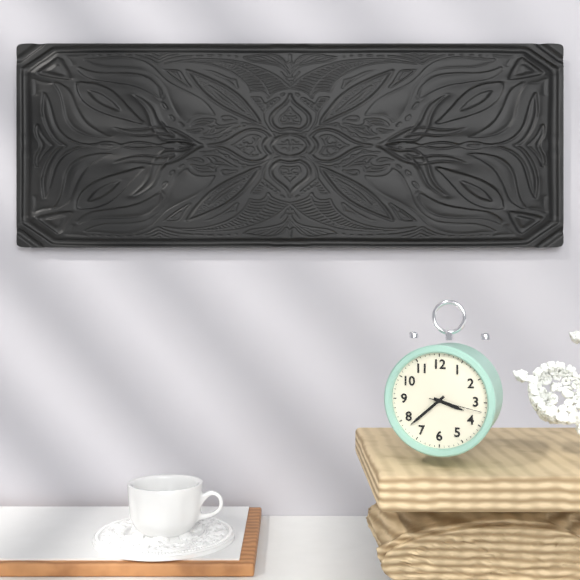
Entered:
3h38m17s
